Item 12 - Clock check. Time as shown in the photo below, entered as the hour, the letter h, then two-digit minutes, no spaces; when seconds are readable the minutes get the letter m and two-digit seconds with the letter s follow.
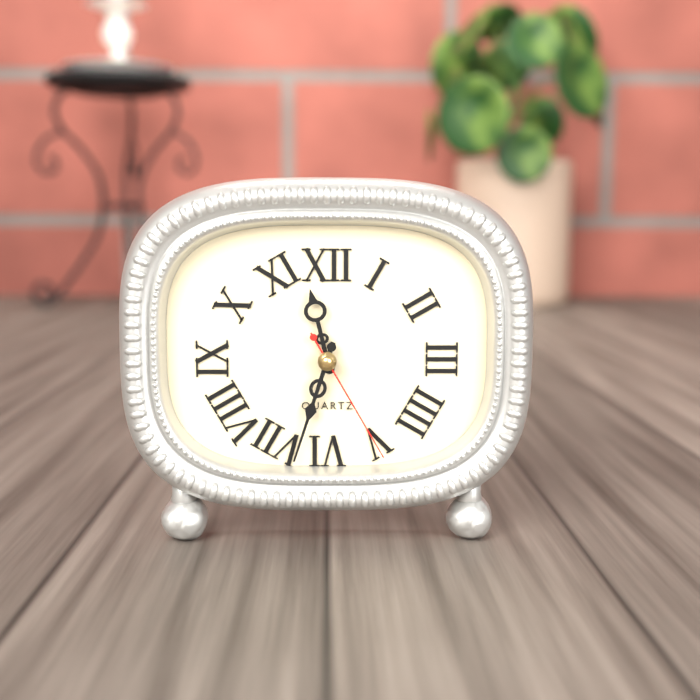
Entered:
11h33m25s
